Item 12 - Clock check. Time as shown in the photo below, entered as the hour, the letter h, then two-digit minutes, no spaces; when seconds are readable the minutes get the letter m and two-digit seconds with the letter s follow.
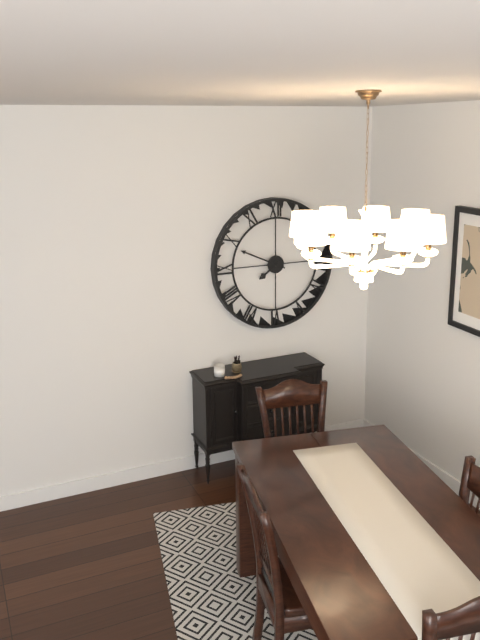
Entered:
7h49
